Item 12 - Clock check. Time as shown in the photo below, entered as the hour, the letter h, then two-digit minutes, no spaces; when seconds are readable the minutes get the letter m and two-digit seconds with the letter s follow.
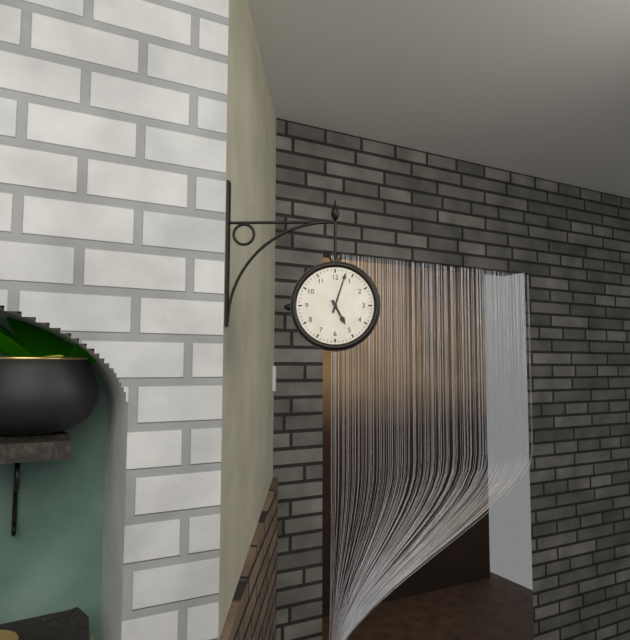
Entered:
5h03
